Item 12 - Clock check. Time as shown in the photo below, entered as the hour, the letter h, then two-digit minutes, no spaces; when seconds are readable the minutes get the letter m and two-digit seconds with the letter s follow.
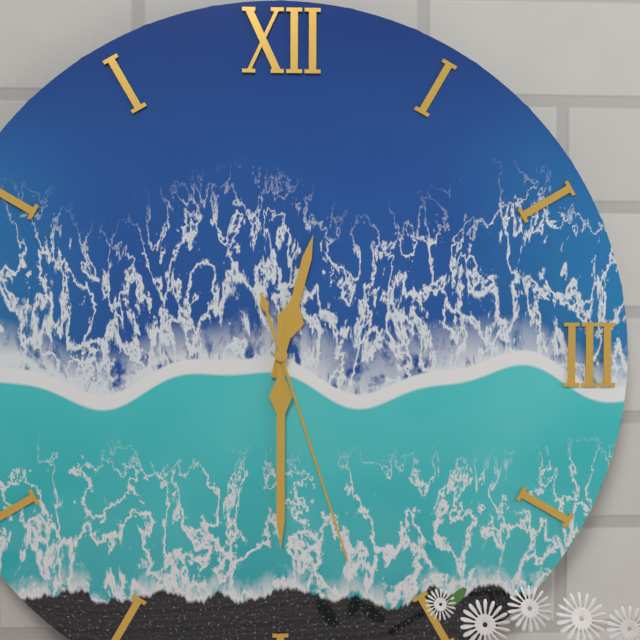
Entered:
12h30m27s
